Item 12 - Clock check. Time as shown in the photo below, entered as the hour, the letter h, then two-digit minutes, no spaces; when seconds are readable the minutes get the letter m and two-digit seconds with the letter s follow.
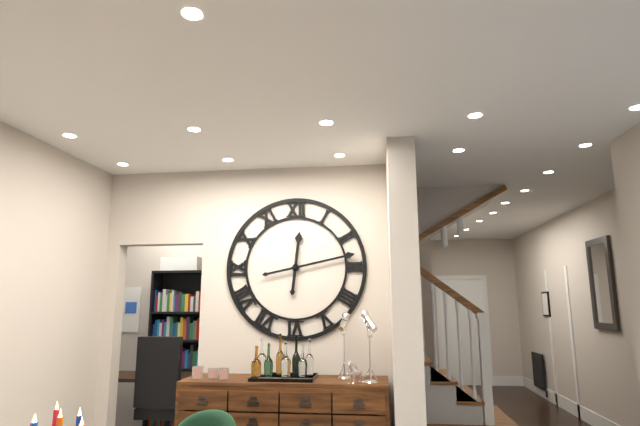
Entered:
12h13
